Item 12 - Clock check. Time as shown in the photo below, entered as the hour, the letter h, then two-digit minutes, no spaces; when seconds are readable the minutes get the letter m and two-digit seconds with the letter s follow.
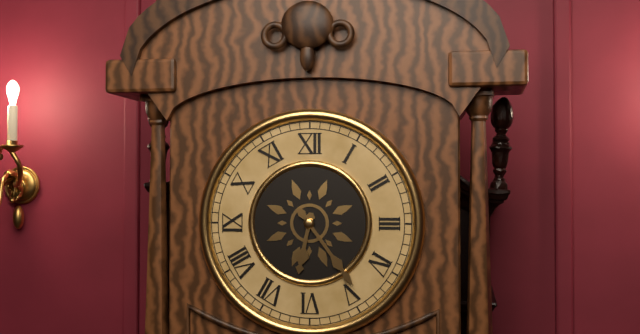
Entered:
6h24
